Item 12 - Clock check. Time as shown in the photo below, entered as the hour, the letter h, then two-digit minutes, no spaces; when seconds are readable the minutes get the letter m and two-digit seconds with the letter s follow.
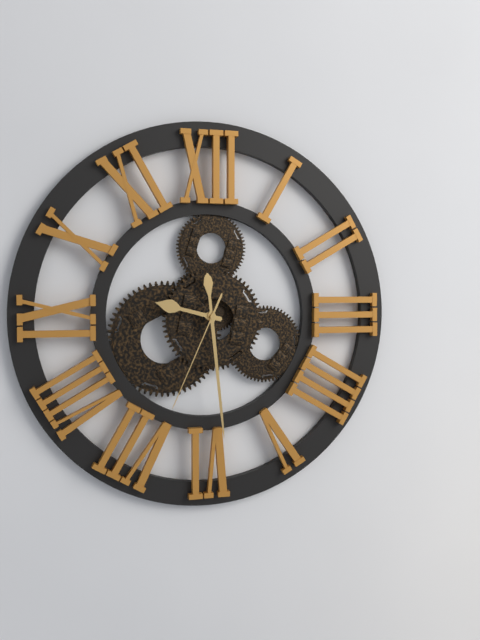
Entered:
9h29m34s
